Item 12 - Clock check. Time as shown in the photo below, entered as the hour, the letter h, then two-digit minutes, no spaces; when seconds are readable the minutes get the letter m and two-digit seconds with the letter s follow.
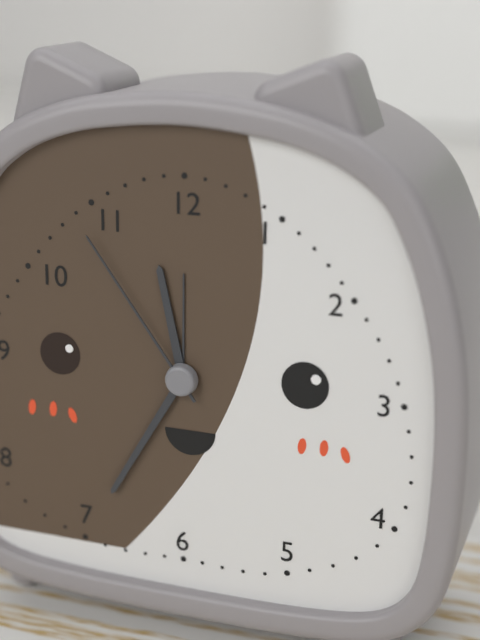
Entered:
11h35m54s
